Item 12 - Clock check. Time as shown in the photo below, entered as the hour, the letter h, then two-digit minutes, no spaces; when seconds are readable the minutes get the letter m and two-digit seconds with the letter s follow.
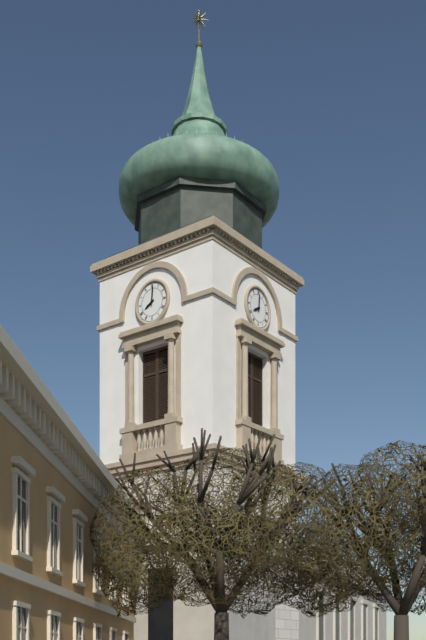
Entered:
8h01
